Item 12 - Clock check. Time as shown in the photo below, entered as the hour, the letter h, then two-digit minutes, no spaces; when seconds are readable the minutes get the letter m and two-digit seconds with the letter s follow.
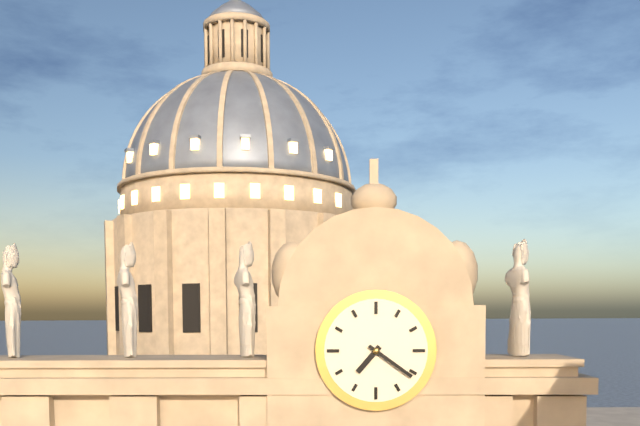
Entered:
7h21
